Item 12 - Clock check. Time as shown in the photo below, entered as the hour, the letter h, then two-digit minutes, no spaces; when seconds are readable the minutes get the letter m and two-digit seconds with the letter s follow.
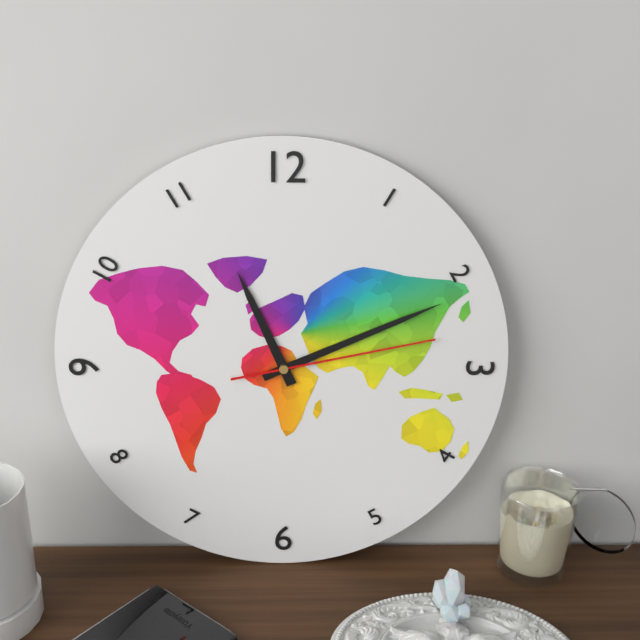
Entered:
11h11m13s
